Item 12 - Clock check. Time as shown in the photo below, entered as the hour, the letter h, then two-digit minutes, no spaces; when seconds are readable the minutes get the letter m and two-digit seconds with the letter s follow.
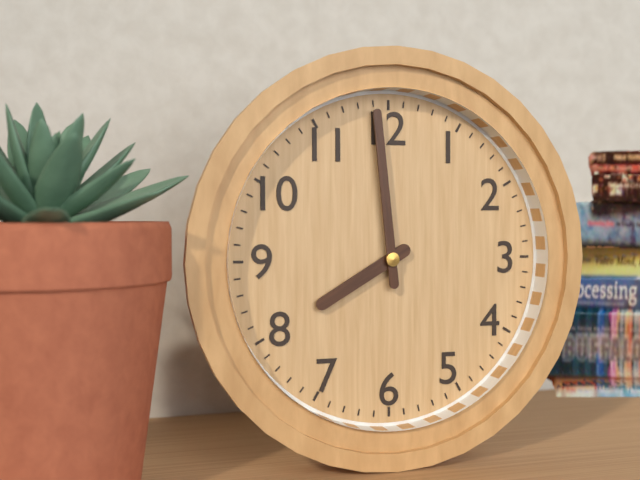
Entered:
7h59
